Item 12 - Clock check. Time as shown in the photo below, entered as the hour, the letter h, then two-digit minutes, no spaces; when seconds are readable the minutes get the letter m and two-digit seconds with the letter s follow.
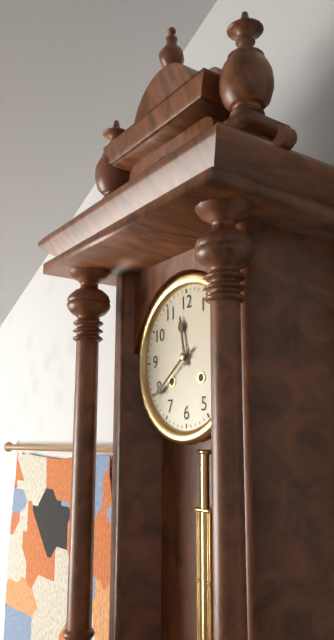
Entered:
11h39
